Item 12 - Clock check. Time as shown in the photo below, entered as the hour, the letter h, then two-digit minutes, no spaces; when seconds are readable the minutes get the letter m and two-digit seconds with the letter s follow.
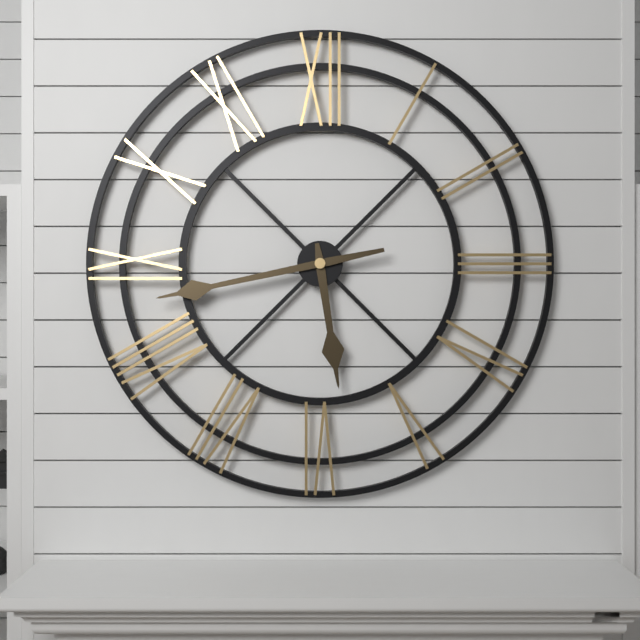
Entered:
5h43
